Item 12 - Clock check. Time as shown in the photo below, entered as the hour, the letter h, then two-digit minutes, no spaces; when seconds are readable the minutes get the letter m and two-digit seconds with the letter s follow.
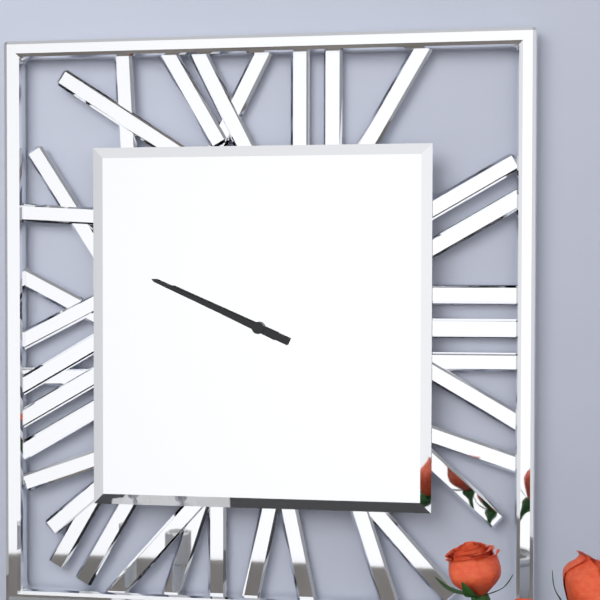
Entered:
9h49
